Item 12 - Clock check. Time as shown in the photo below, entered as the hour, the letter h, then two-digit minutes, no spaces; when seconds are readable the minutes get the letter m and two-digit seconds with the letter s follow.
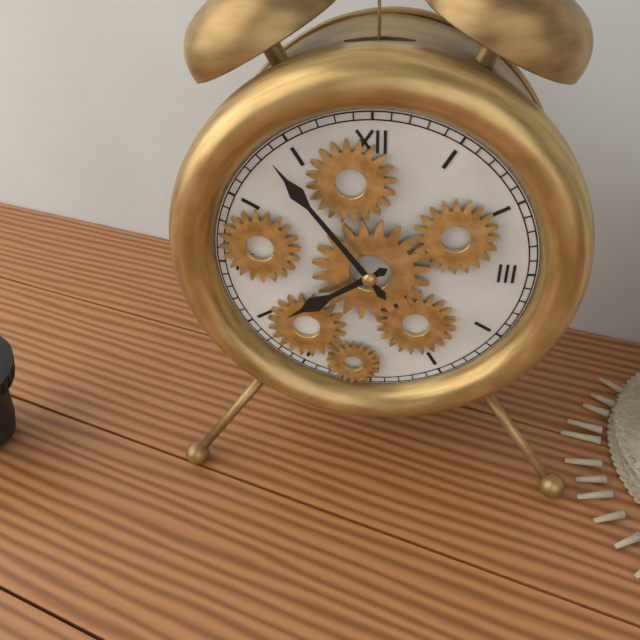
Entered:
7h54
